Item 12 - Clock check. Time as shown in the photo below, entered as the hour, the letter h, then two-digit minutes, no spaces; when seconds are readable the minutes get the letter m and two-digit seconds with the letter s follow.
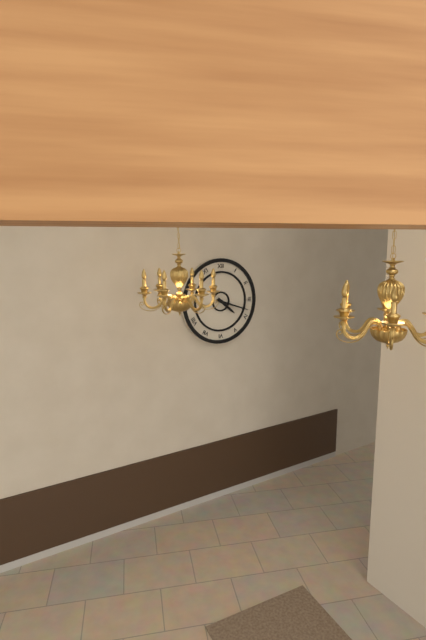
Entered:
4h18
